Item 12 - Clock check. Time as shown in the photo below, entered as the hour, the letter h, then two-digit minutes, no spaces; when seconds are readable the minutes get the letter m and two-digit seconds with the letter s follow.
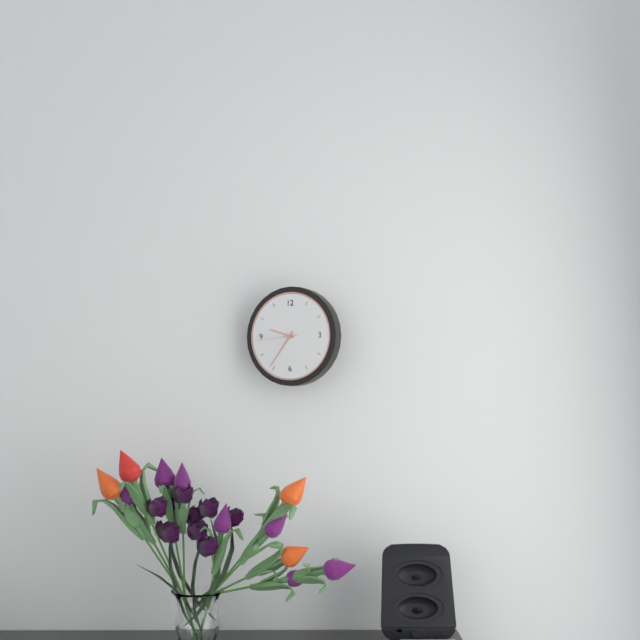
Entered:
9h36
